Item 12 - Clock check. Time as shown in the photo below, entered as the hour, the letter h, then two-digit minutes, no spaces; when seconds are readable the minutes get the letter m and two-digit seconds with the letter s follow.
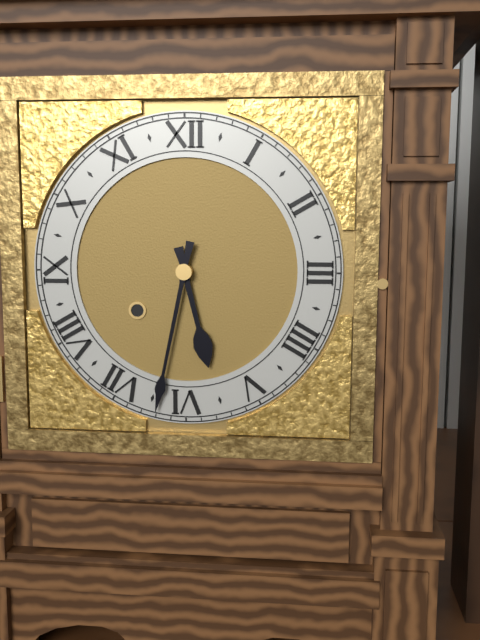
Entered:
5h32
